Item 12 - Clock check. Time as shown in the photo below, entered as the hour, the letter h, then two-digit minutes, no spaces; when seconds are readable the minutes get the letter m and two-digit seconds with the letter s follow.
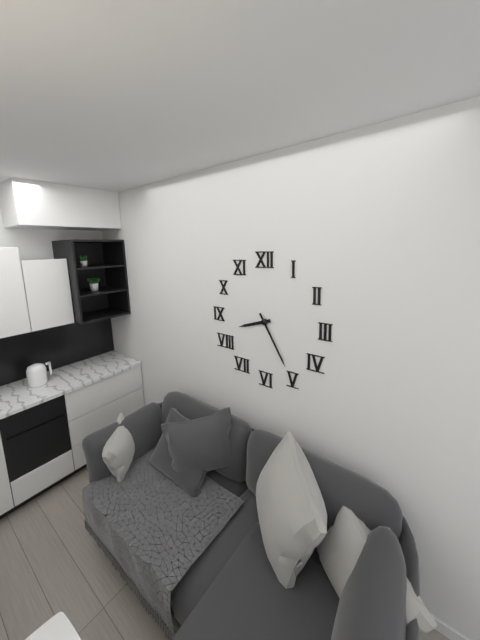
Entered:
8h25
